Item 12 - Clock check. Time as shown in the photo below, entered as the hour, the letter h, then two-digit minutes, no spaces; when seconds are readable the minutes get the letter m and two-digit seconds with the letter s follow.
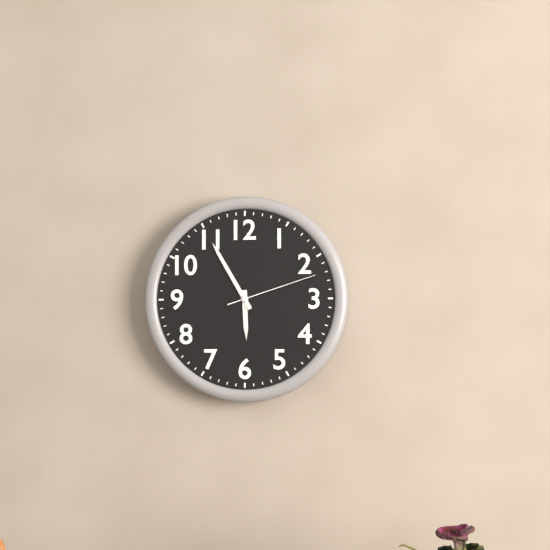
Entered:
5h55m12s
